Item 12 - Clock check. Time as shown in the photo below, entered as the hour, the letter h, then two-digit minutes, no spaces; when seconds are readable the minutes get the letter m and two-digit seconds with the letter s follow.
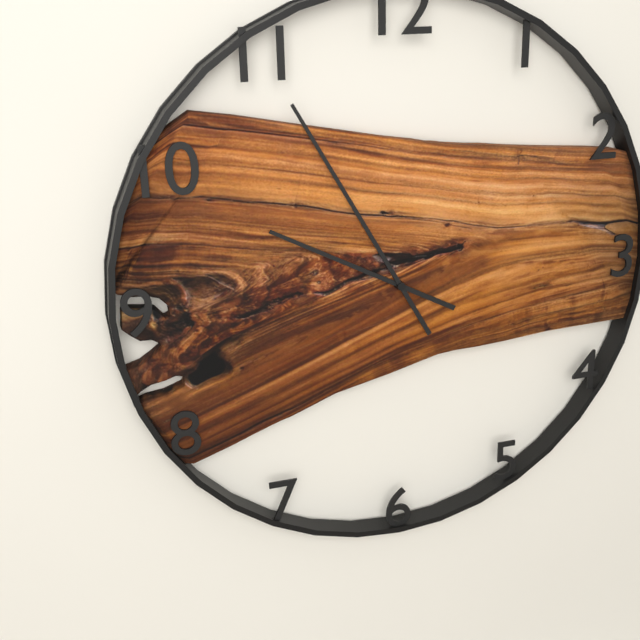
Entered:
9h55
